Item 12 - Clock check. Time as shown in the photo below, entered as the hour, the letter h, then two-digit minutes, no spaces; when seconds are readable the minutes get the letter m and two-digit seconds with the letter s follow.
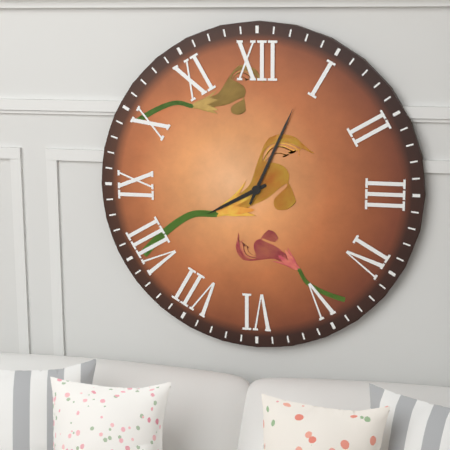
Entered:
8h04
